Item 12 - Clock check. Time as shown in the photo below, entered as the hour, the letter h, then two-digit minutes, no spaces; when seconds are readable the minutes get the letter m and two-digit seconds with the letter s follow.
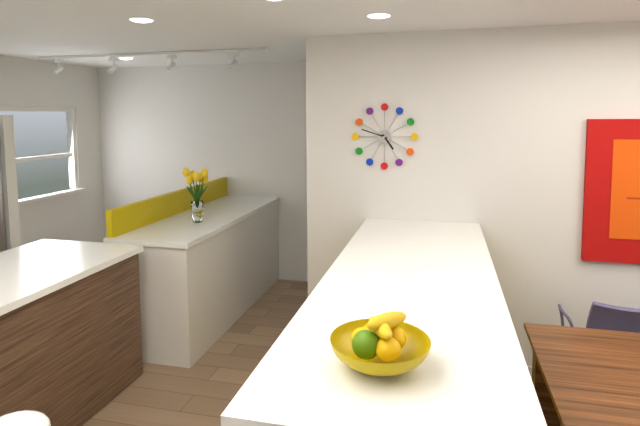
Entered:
4h48
